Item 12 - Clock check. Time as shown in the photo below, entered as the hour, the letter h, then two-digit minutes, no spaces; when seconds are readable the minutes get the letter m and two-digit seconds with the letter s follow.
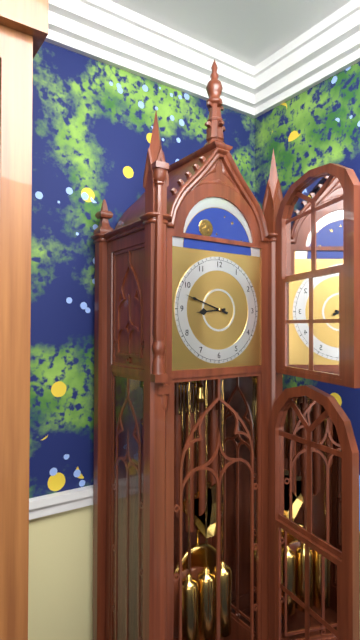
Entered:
8h48
